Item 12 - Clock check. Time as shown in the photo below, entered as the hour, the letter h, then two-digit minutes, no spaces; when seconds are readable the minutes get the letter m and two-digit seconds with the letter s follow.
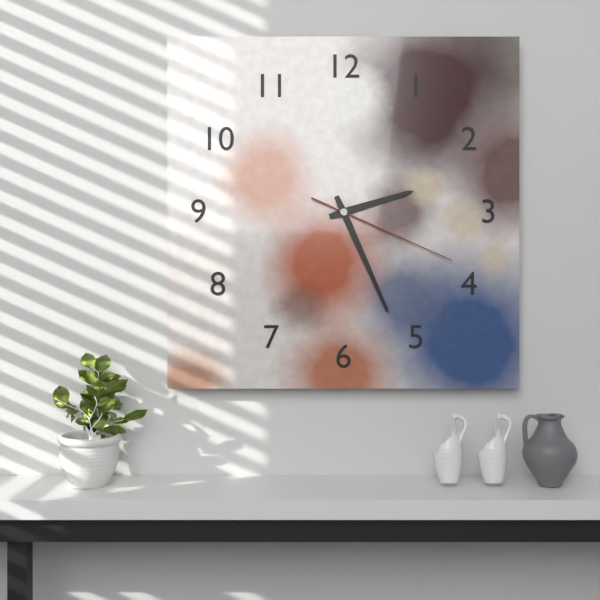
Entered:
2h26m19s
